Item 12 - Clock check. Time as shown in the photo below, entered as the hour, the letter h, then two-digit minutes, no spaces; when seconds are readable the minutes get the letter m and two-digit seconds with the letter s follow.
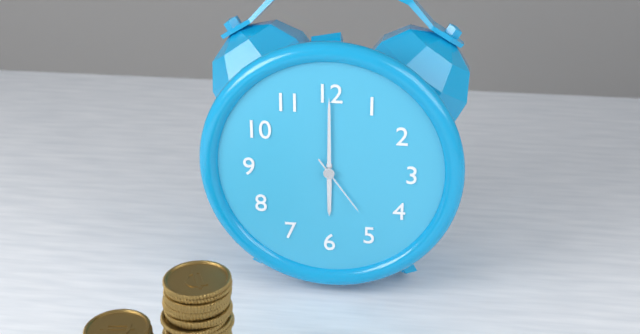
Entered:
6h00m24s
